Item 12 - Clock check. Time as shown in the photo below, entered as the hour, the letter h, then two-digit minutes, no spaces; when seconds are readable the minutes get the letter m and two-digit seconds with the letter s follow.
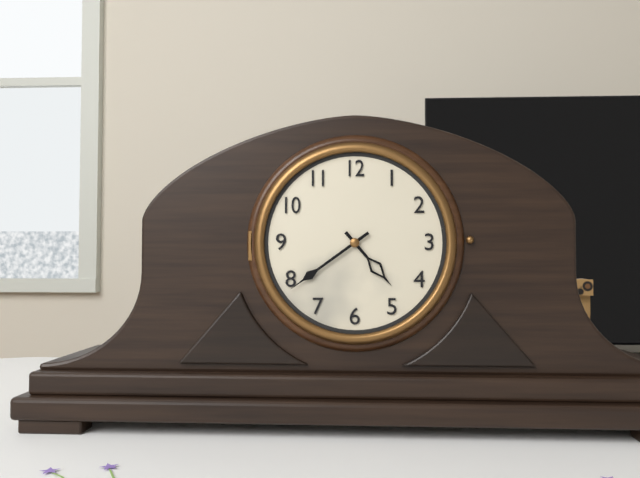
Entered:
4h39
